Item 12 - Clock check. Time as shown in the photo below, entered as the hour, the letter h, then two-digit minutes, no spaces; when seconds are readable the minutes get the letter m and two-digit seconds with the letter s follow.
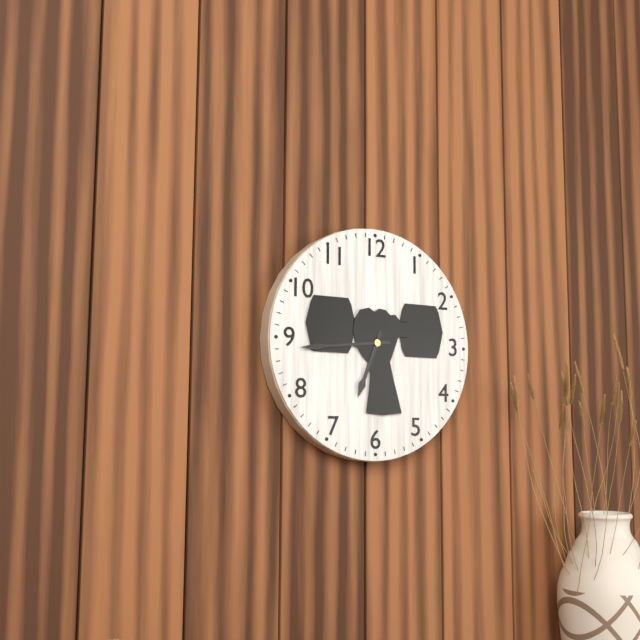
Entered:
6h44
